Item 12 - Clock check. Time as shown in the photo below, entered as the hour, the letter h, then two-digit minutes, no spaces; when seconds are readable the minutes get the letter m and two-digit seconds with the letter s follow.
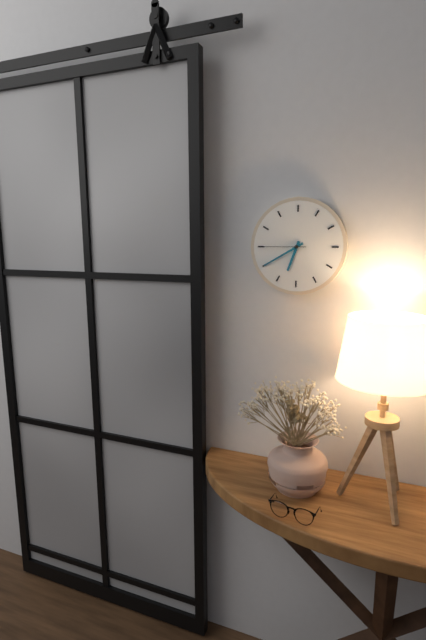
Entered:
6h40
